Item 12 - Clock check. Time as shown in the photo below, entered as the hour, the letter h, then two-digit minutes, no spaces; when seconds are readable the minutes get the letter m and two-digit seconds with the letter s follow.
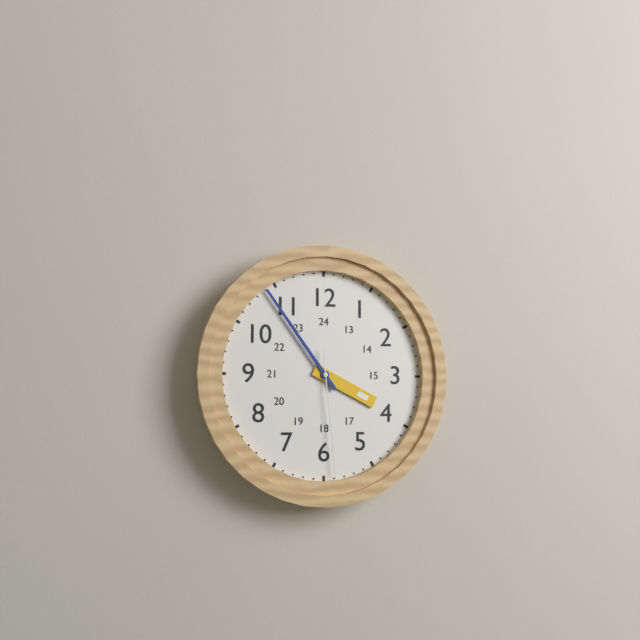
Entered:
3h54m29s
